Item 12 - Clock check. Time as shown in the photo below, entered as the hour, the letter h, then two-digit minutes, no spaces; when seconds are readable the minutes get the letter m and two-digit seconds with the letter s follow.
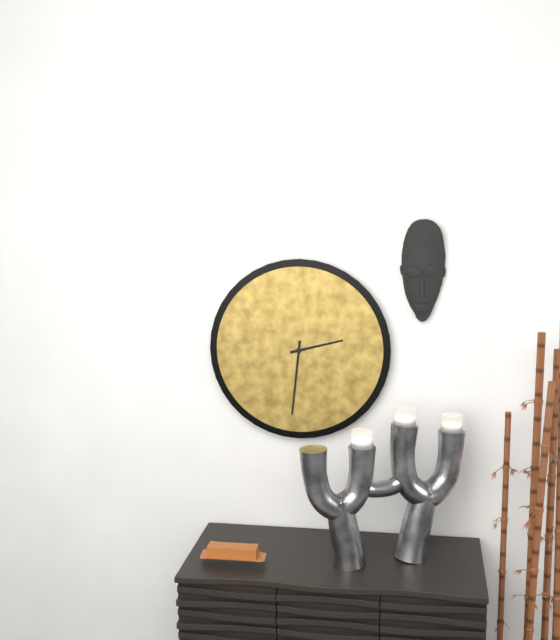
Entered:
2h31
